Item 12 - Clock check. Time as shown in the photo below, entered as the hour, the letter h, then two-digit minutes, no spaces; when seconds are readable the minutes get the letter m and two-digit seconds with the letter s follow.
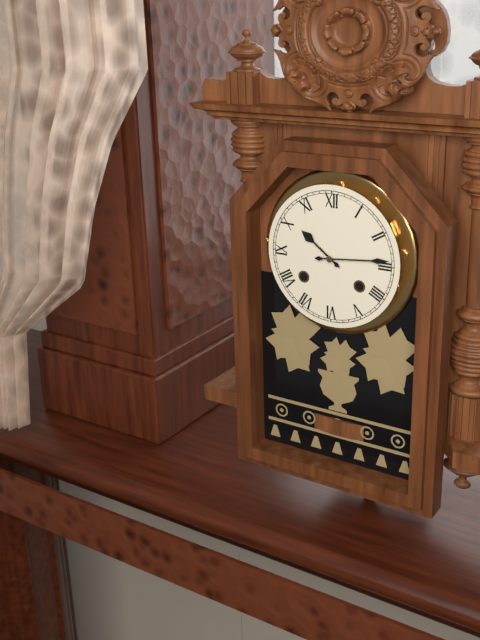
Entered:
10h14
